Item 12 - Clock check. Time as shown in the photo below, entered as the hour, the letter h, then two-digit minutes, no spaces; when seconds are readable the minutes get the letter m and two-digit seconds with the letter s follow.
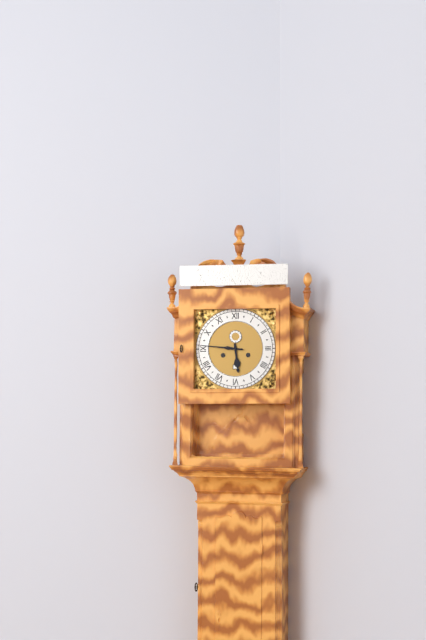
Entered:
5h46
